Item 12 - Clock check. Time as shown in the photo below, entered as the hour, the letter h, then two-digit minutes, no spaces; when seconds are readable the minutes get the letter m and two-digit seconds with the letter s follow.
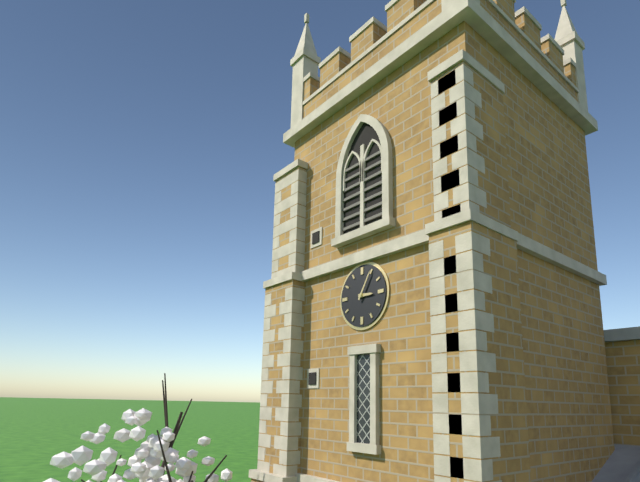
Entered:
3h05
